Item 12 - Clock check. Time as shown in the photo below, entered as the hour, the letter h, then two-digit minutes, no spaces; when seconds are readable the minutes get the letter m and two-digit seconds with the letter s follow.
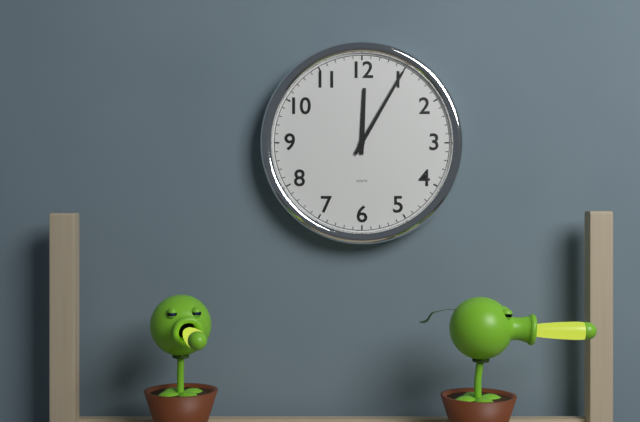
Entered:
12h05
